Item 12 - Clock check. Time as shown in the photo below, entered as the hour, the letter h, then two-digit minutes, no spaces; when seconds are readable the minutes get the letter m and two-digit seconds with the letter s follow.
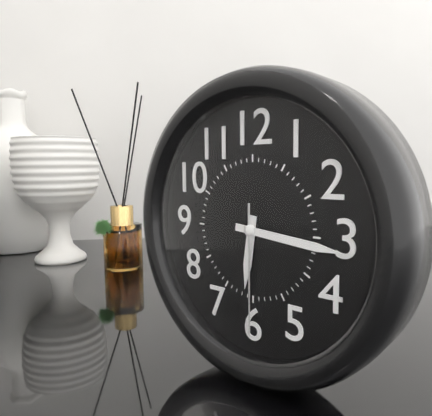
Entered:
6h16m30s
